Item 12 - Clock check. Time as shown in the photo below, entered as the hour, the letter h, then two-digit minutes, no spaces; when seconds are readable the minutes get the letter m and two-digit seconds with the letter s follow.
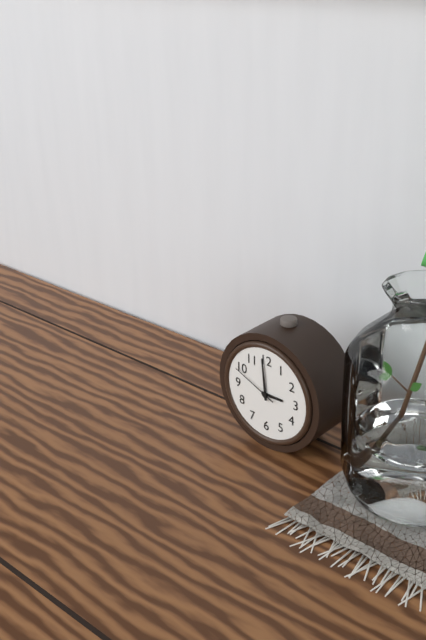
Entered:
2h59
